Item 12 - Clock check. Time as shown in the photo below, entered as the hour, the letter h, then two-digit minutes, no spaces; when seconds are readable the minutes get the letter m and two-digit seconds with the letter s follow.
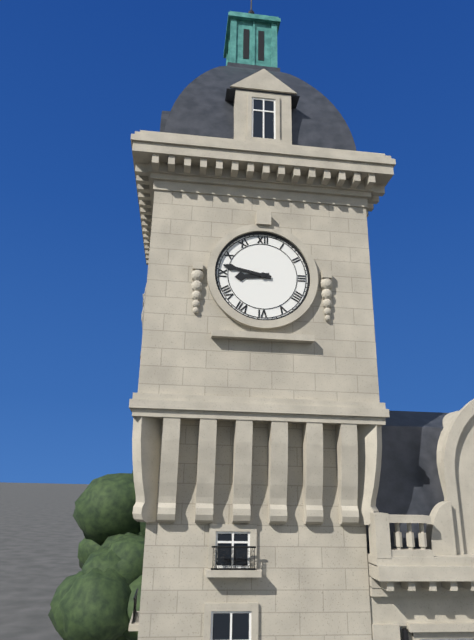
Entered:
8h47
